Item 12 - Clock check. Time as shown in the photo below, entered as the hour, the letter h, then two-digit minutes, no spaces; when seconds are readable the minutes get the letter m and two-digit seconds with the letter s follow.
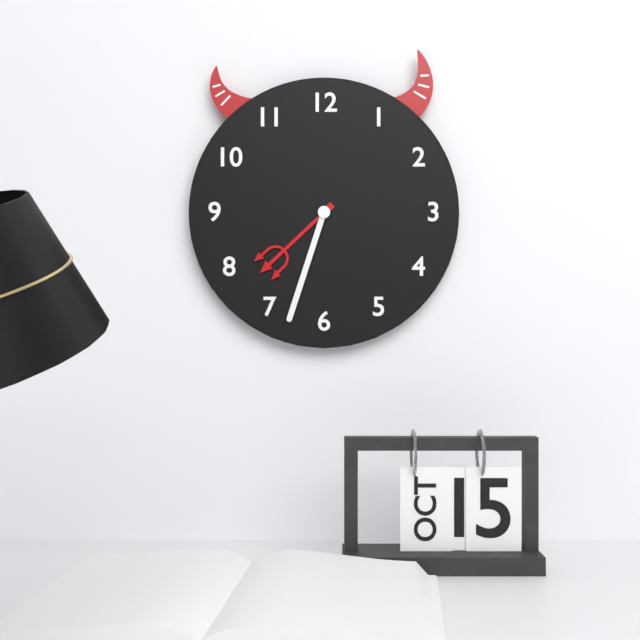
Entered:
7h33
